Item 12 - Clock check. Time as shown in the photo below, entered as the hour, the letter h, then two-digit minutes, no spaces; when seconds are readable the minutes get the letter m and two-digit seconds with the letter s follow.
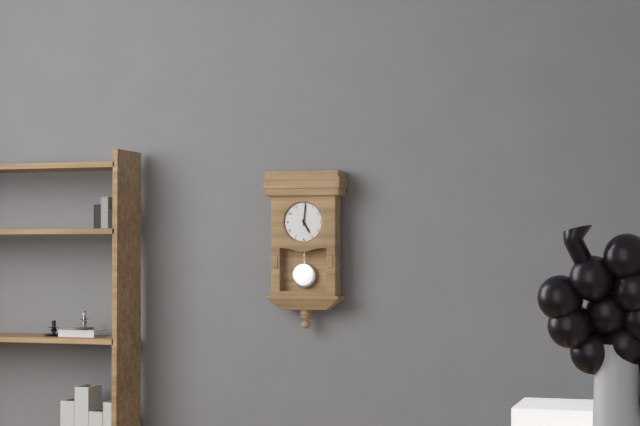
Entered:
5h01
